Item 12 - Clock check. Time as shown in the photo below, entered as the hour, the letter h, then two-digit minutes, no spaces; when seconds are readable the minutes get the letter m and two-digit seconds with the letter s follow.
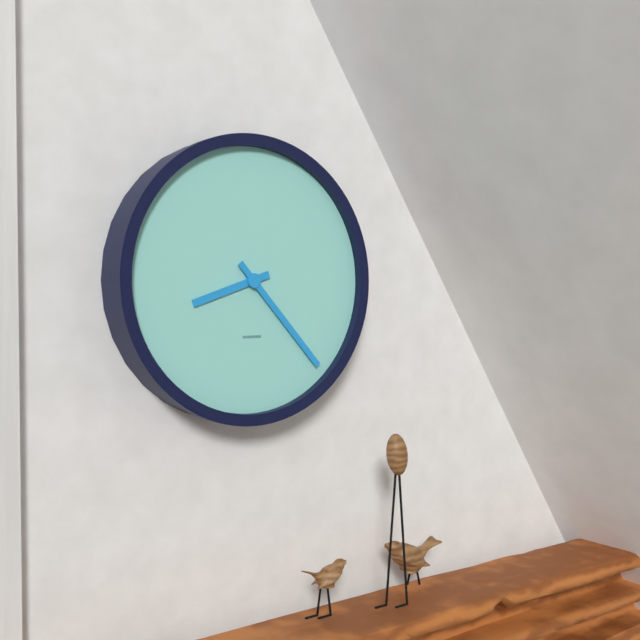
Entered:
8h23
